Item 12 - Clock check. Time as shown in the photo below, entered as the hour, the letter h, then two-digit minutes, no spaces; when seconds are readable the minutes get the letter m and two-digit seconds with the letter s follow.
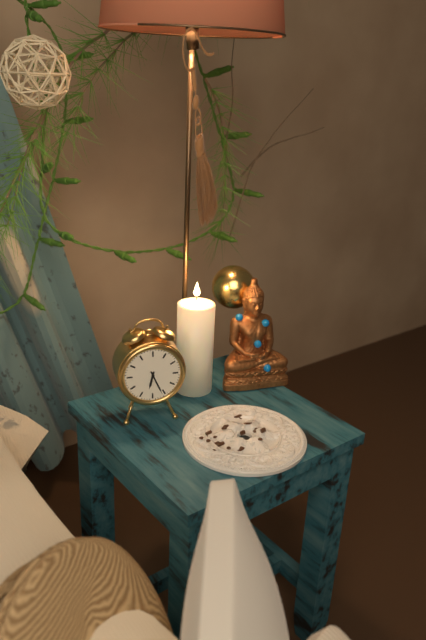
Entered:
6h26
